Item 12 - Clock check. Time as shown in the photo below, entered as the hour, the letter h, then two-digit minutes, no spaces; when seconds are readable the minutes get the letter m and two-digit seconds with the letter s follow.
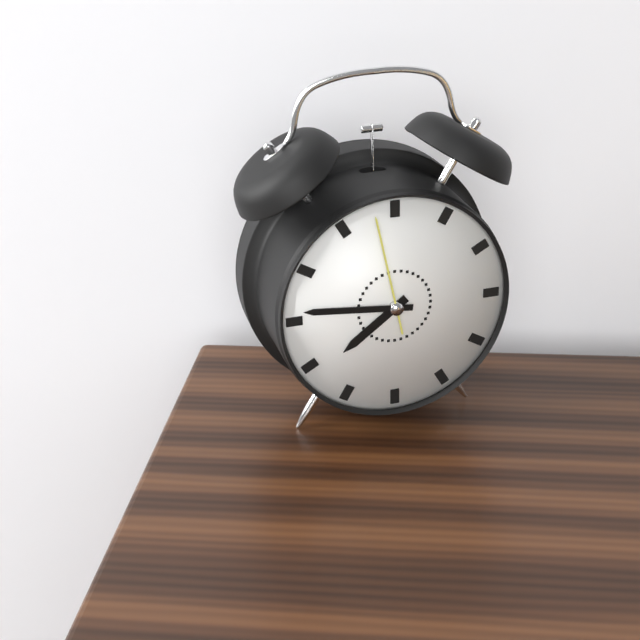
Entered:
7h46m58s
